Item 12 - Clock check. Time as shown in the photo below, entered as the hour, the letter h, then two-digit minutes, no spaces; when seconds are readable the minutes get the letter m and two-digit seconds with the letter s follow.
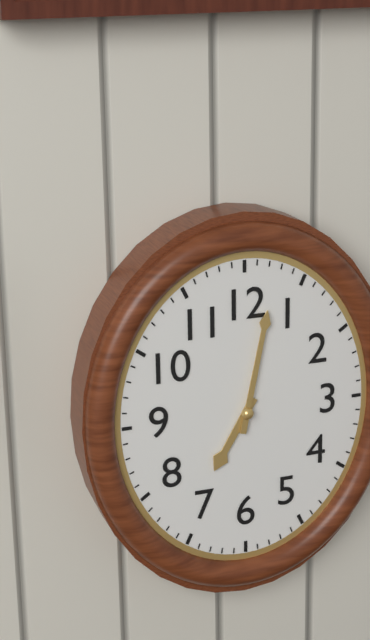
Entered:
7h02
